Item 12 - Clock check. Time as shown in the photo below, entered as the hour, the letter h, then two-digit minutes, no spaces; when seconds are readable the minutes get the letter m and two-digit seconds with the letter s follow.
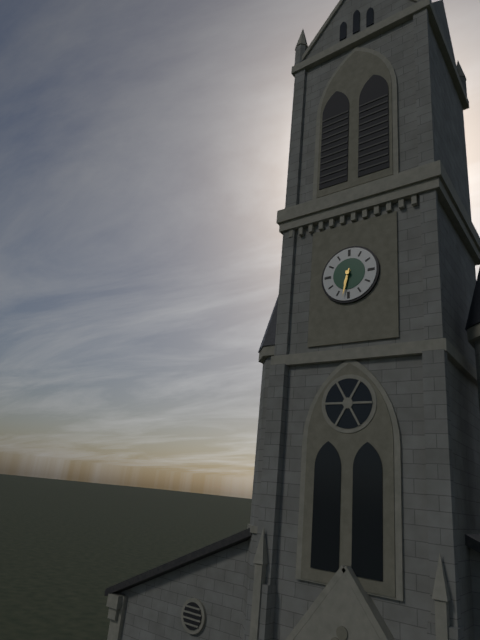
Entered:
6h32
